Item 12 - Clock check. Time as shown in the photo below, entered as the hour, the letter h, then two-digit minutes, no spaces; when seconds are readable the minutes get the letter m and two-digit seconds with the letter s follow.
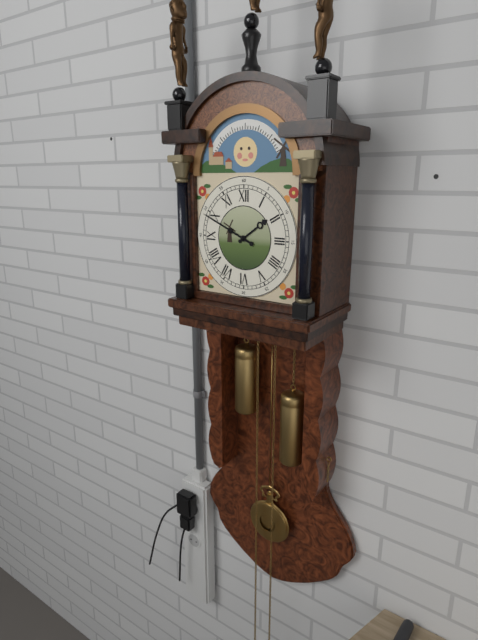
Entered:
1h49
